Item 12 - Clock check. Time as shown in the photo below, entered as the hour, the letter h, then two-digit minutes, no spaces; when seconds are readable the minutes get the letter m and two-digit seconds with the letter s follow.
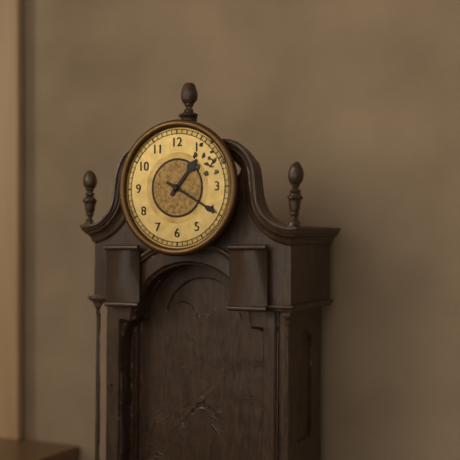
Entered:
1h20
